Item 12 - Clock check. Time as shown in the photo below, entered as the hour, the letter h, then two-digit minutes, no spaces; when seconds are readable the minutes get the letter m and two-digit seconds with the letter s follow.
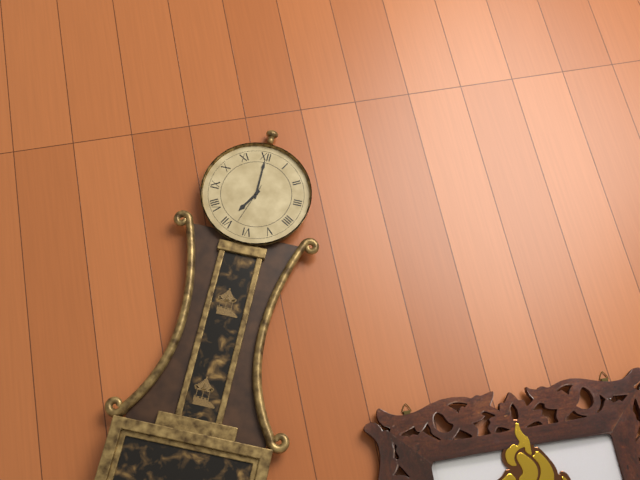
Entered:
7h00
